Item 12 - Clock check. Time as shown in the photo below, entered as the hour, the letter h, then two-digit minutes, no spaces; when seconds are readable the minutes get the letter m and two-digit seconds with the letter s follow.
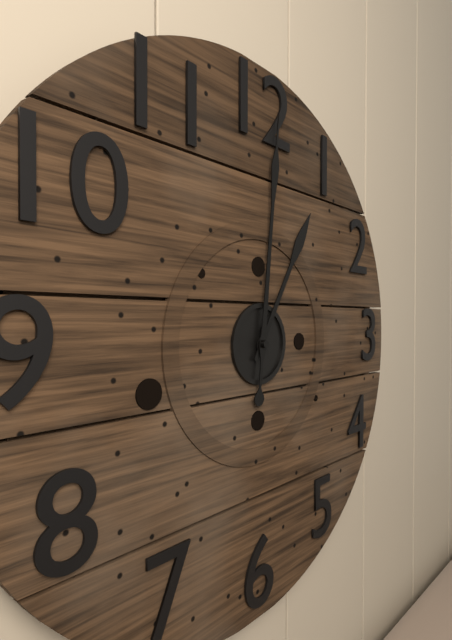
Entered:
1h01
